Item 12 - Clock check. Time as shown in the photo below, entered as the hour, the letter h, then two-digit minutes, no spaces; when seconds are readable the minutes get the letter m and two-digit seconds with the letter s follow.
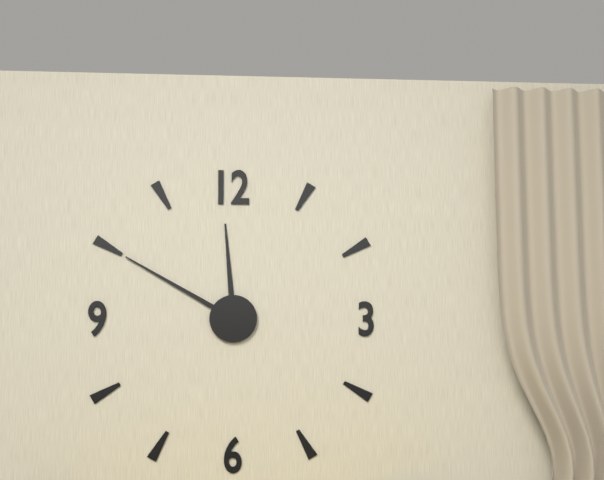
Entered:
11h50
